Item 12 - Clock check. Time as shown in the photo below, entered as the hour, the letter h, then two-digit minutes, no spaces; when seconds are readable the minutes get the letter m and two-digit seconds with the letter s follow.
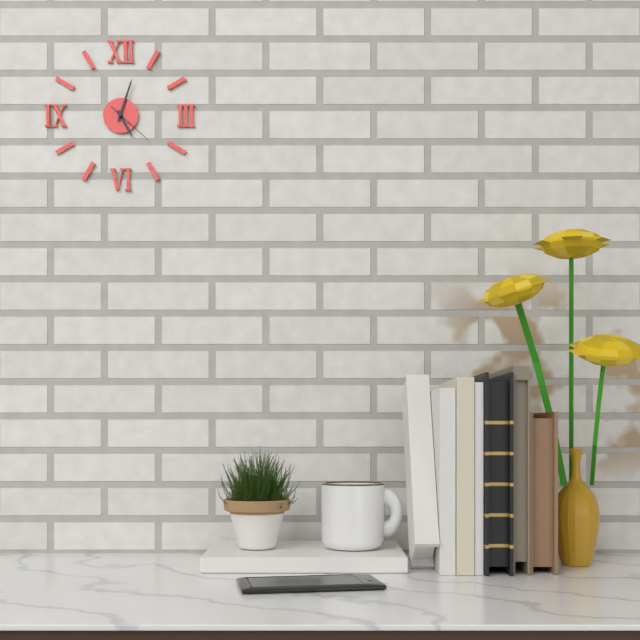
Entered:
5h03
